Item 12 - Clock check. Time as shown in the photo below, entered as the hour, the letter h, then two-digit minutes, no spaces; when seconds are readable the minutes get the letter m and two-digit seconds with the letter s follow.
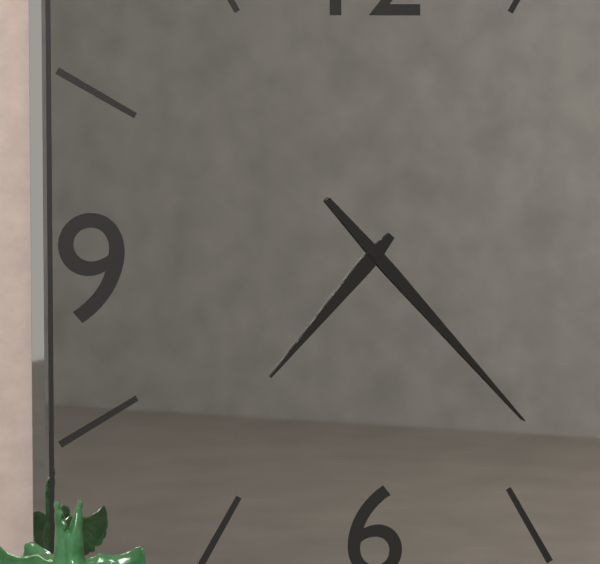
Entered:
7h23
